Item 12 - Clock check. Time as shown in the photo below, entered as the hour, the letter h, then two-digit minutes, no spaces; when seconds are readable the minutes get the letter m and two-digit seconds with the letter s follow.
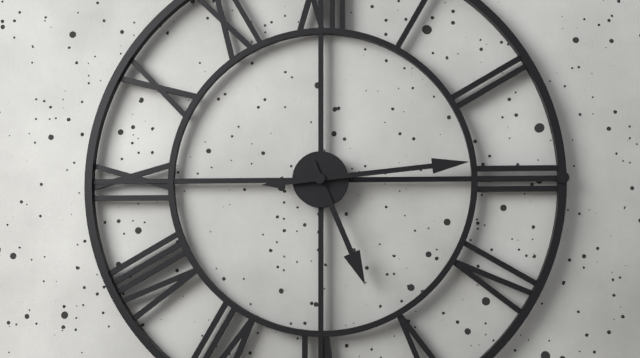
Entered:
5h14
